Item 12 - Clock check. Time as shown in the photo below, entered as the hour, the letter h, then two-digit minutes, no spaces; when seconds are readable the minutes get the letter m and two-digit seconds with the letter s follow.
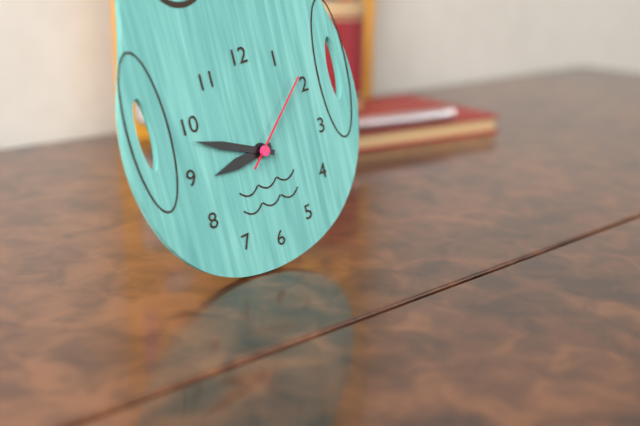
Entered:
8h49m08s
